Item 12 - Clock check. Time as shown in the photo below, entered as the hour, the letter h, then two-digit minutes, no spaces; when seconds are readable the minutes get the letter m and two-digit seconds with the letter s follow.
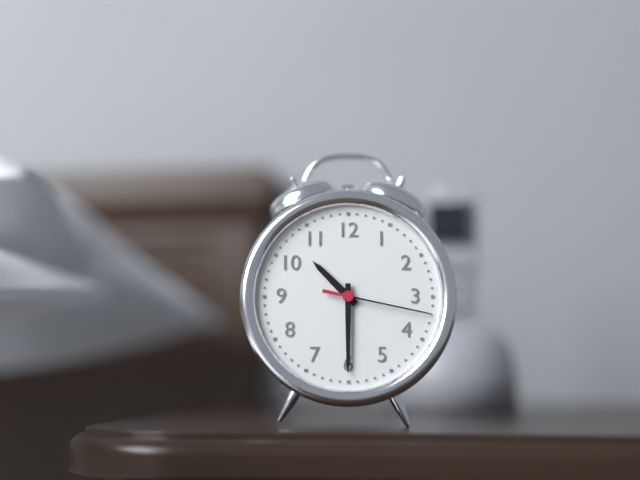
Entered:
10h30m17s
